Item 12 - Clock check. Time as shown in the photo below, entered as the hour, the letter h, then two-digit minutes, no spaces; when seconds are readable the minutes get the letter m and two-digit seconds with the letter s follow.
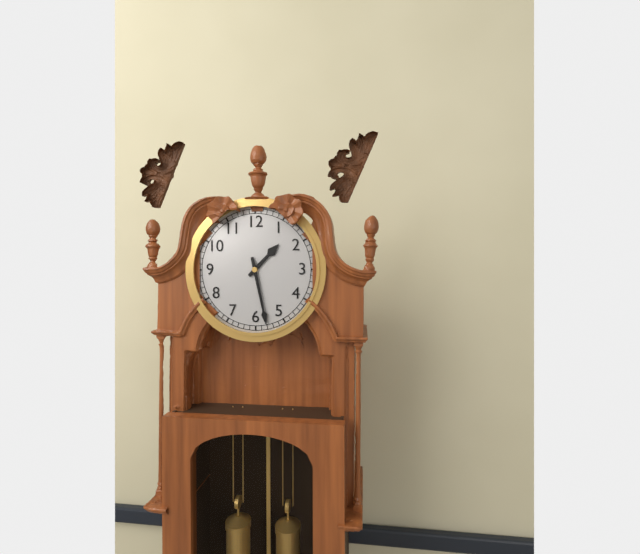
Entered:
1h28
